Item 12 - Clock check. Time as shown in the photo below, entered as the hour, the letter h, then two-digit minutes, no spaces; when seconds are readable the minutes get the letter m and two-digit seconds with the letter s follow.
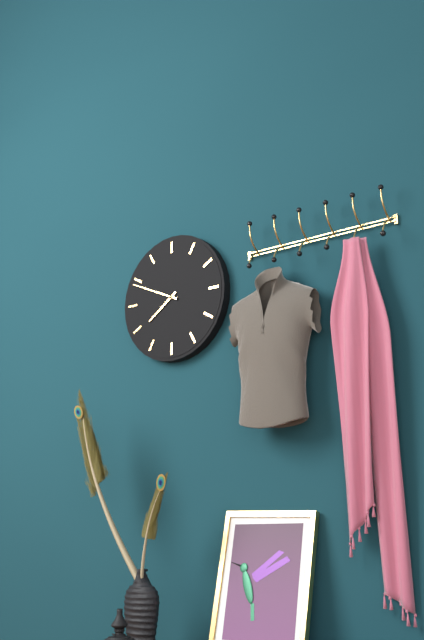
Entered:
7h49
